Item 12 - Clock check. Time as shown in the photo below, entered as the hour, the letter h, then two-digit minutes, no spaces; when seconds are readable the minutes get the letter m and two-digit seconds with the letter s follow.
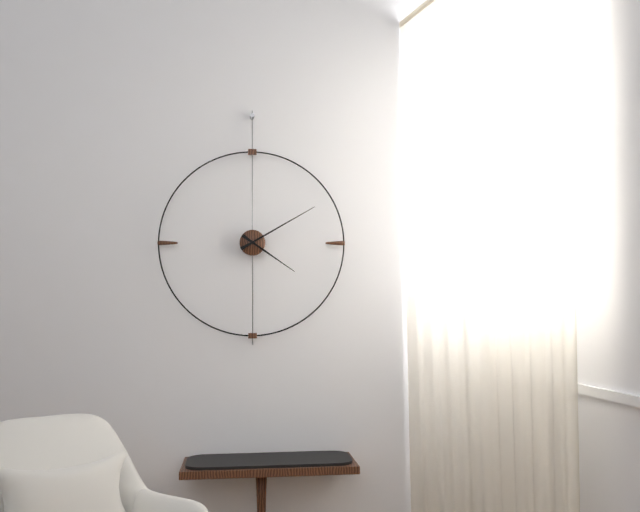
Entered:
4h10
